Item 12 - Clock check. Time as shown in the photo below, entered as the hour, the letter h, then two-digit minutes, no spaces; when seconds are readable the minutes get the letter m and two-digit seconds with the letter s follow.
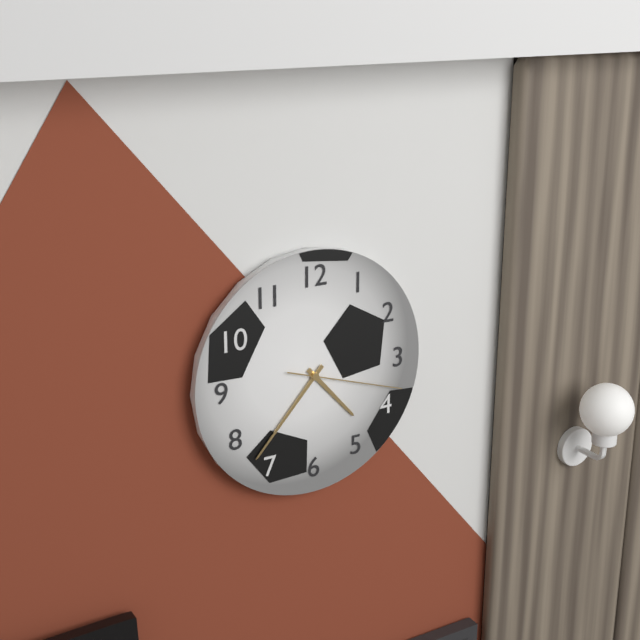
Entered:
4h37m18s
